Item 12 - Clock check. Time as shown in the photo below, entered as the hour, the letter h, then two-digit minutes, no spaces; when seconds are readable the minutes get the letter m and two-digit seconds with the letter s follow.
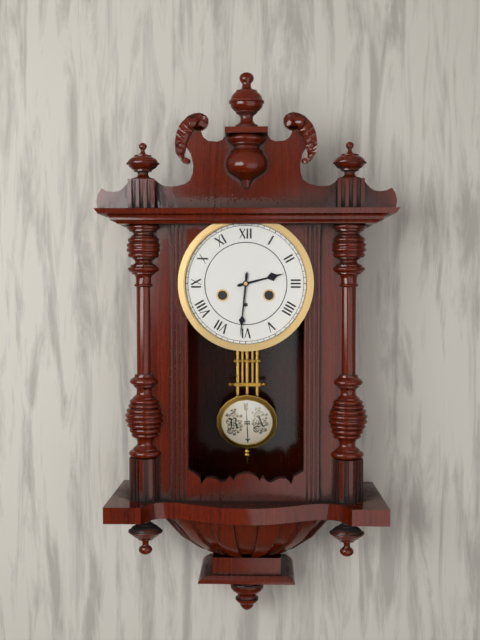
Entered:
2h31
